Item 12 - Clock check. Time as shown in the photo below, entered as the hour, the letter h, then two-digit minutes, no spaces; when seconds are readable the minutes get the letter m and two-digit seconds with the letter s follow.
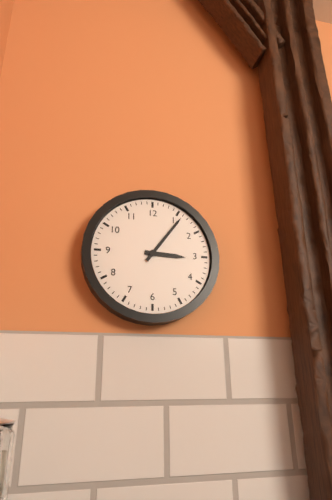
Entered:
3h06
